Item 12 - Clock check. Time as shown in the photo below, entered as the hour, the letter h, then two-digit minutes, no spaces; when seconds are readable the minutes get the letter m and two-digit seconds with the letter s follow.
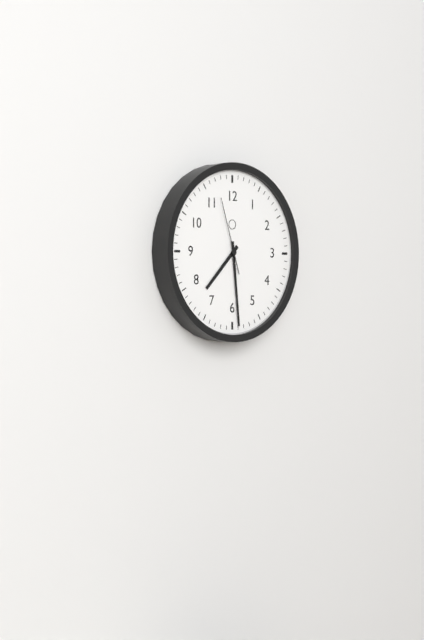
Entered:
7h29m57s
